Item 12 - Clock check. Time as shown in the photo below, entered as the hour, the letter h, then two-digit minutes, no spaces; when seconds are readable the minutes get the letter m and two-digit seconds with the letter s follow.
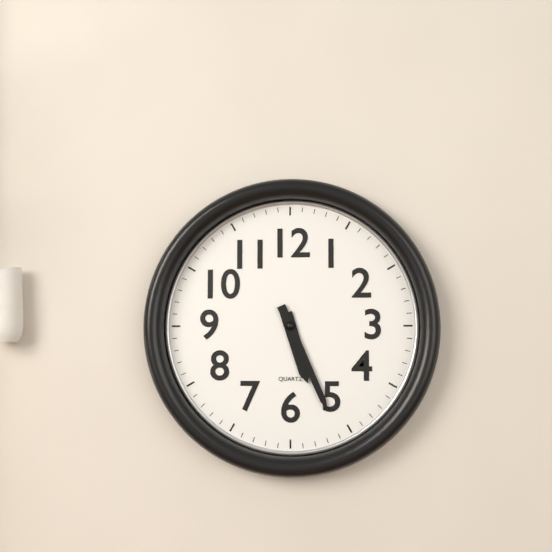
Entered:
5h26
